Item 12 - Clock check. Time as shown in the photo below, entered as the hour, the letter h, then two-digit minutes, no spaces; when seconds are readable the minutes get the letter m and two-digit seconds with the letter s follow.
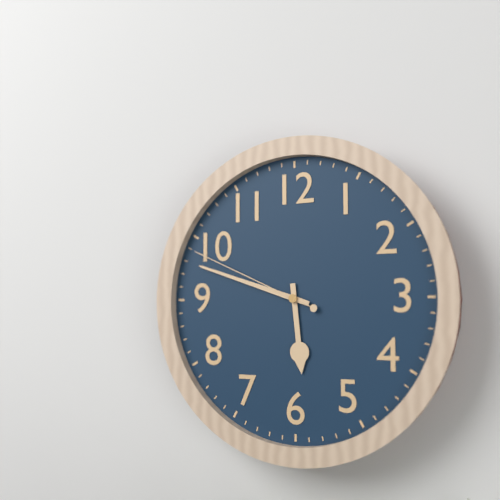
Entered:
5h48m49s
